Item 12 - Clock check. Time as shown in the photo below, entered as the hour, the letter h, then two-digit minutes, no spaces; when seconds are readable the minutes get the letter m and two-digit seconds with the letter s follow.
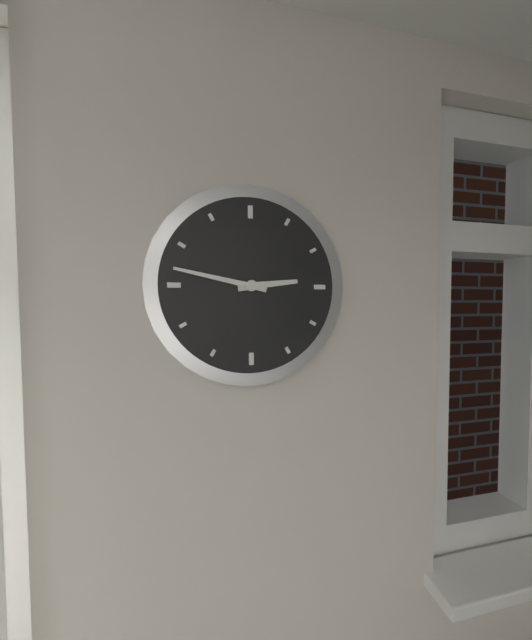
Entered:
2h47
